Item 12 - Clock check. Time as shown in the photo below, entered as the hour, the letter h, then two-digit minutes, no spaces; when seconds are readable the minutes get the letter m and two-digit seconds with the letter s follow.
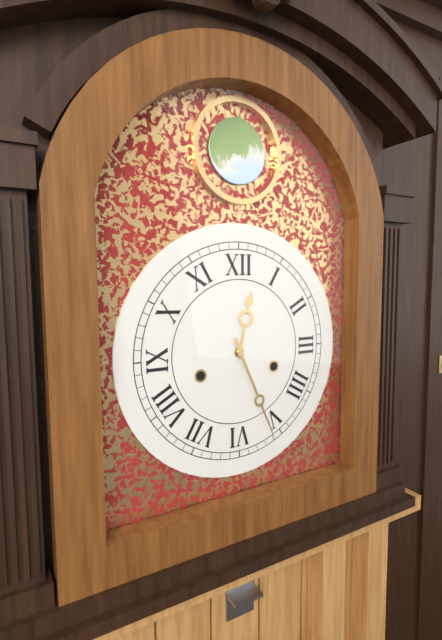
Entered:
12h26
